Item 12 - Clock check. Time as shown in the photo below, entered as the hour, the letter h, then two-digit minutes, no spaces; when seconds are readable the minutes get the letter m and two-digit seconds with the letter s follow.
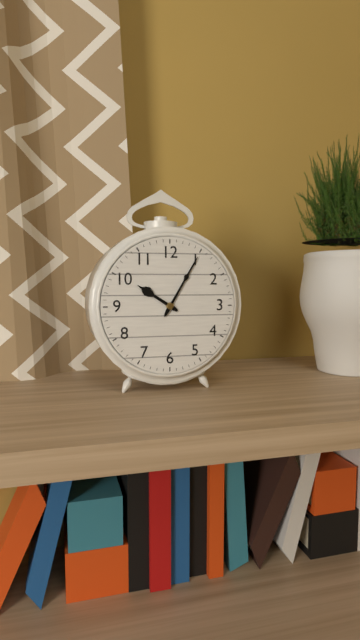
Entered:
10h05
